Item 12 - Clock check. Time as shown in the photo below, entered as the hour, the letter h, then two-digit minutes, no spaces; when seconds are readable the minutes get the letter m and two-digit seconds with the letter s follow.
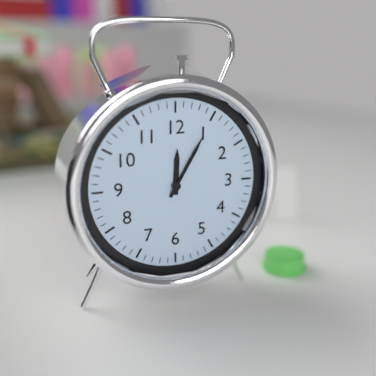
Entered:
12h05
